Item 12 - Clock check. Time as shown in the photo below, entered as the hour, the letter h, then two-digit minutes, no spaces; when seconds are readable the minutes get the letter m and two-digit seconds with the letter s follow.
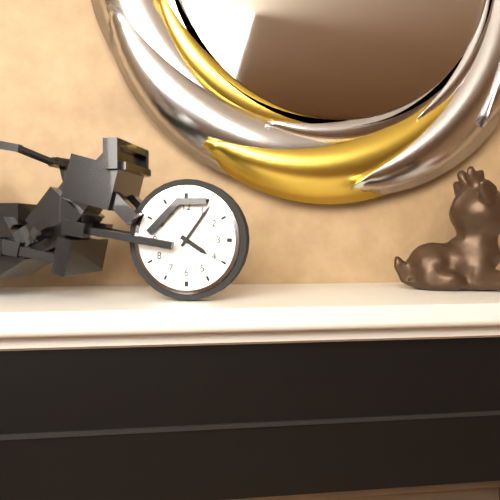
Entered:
4h06
